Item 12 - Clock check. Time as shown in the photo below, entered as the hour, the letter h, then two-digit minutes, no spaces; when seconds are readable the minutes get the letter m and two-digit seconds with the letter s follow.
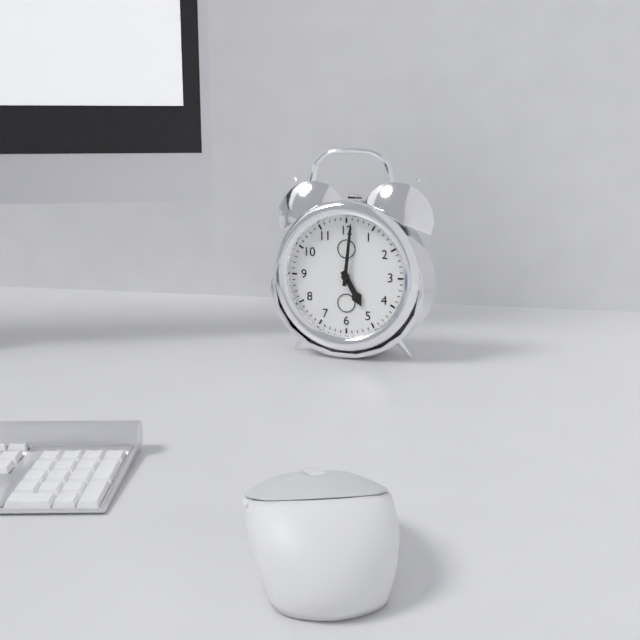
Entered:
5h01
